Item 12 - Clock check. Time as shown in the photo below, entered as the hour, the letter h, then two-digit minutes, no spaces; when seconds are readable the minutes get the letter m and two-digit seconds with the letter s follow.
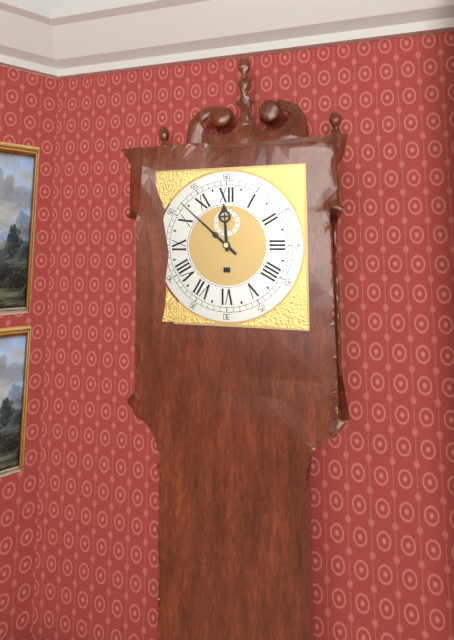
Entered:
11h52
